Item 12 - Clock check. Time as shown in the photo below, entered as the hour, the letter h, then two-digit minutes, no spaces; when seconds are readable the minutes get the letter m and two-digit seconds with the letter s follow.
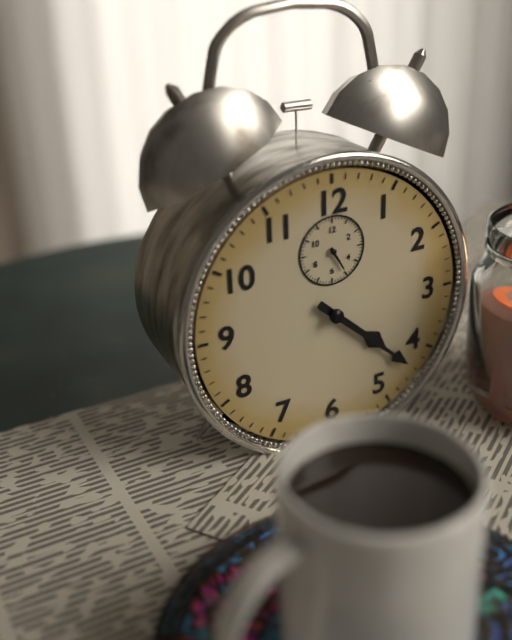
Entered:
4h22
